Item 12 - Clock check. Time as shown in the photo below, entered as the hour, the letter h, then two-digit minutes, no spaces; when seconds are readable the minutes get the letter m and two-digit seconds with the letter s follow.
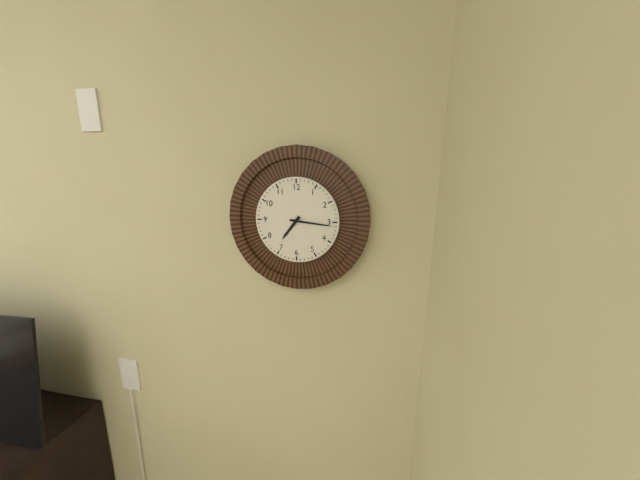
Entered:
7h16
